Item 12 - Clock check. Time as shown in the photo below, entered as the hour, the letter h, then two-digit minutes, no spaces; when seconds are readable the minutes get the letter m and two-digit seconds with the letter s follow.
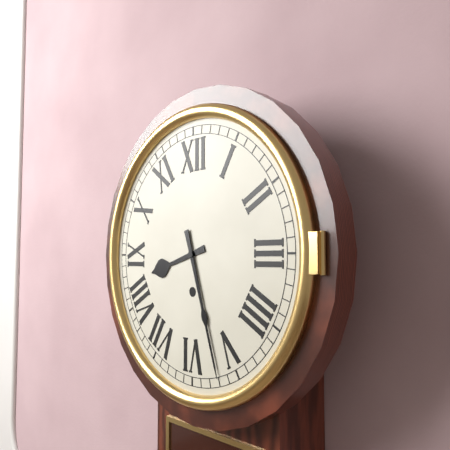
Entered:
8h27
